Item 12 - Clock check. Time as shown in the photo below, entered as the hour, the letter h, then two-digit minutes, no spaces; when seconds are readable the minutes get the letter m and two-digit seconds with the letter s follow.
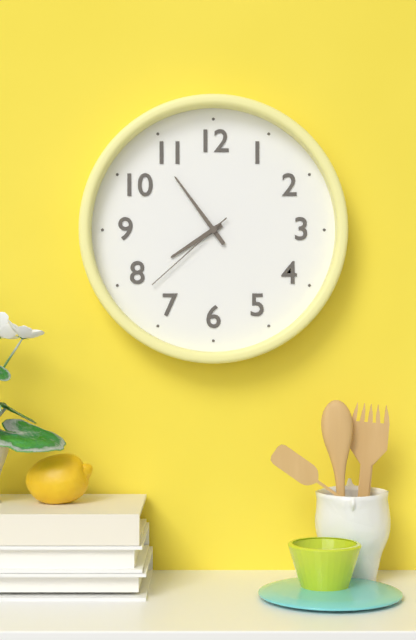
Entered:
7h54m38s
